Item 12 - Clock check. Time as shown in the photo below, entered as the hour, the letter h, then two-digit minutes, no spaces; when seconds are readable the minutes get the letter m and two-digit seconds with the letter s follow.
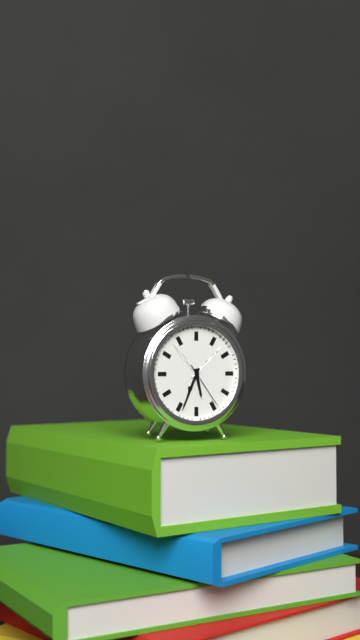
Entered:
5h34m24s
